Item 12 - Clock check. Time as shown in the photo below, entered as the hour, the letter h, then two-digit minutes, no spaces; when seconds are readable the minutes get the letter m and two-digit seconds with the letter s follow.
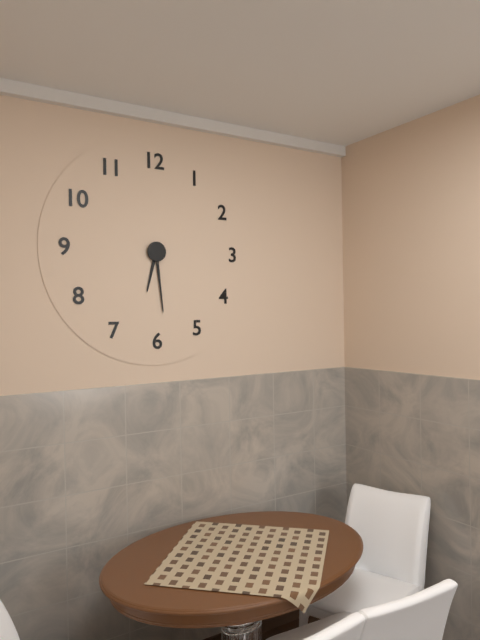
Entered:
6h29
